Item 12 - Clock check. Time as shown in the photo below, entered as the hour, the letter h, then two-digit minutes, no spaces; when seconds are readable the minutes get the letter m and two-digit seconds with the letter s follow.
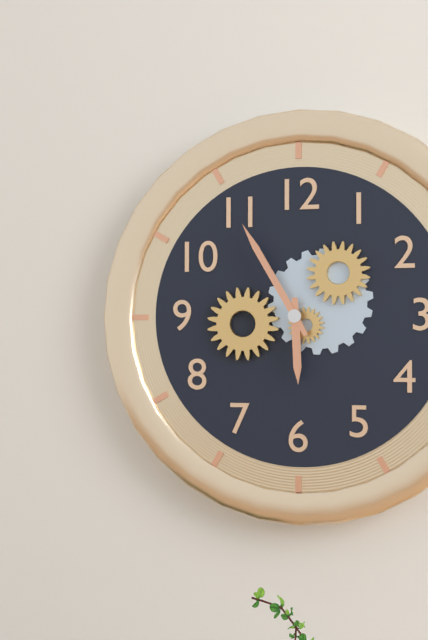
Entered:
5h55
